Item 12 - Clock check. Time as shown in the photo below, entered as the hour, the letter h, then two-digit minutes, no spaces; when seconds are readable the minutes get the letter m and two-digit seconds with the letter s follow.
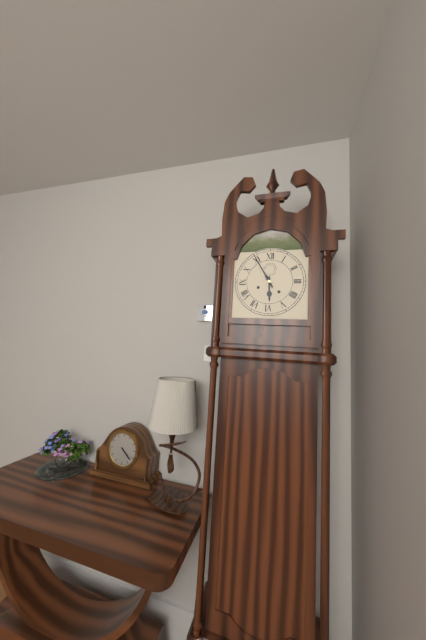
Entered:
5h55
